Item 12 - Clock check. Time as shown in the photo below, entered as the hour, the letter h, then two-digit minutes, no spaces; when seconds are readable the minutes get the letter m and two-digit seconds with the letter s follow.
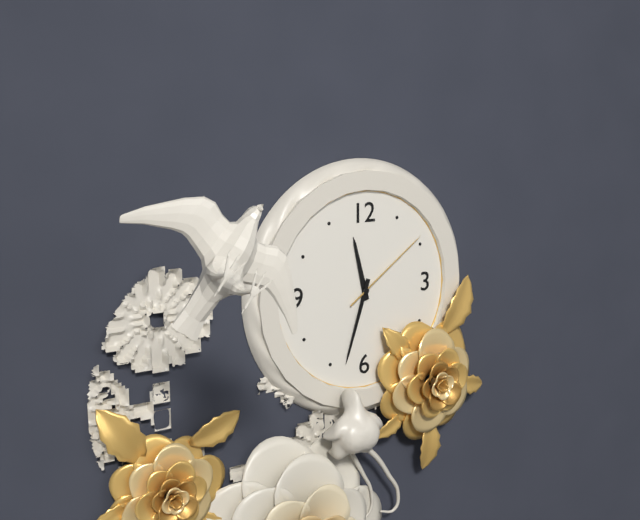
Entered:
11h33m09s
